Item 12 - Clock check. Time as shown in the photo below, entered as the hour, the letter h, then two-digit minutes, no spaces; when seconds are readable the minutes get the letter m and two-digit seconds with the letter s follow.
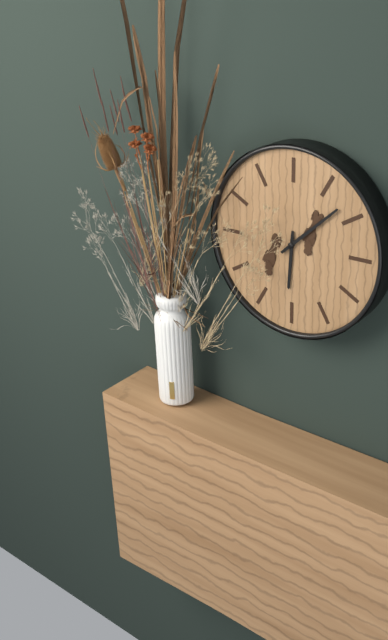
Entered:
6h08
